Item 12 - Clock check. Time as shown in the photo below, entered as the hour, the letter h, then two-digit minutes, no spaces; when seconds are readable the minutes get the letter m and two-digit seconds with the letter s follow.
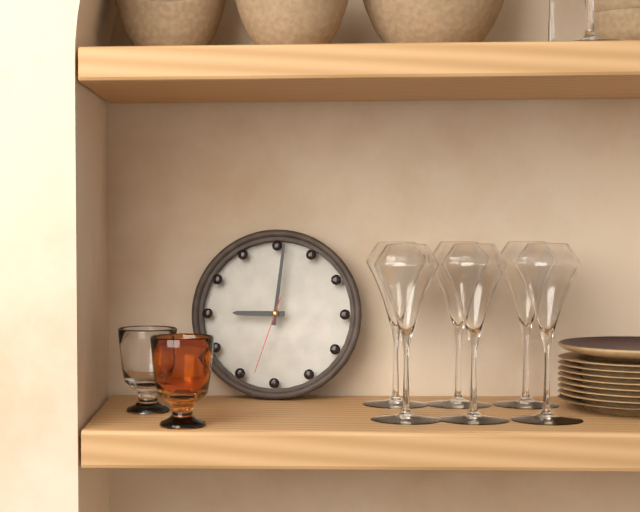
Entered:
9h01m33s
